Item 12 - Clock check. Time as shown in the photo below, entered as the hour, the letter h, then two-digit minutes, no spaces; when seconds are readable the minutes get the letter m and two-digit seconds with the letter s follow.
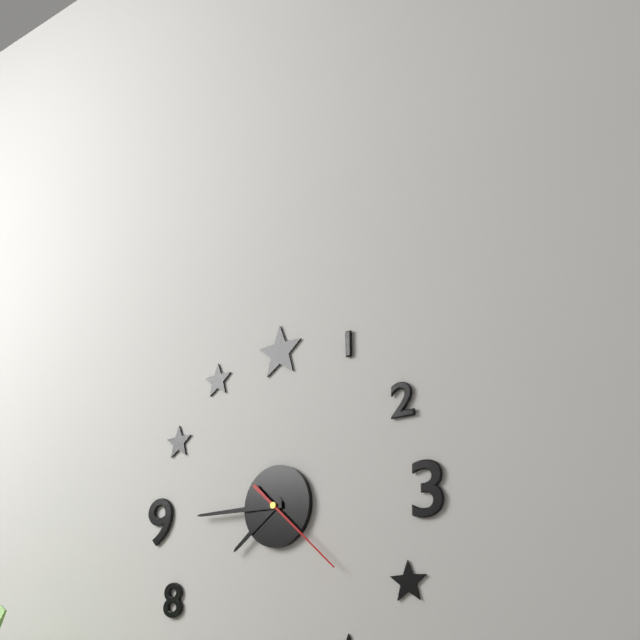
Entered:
7h45m22s
